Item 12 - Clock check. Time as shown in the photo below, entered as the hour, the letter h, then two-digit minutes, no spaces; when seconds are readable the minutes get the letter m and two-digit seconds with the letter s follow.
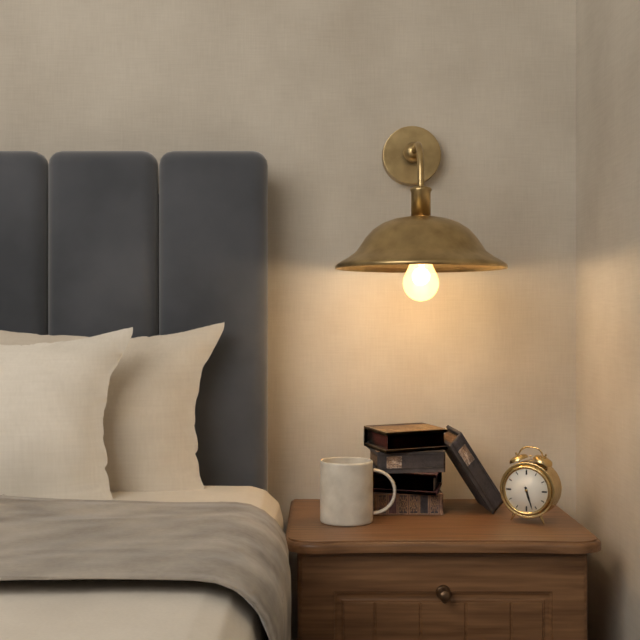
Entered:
5h27
